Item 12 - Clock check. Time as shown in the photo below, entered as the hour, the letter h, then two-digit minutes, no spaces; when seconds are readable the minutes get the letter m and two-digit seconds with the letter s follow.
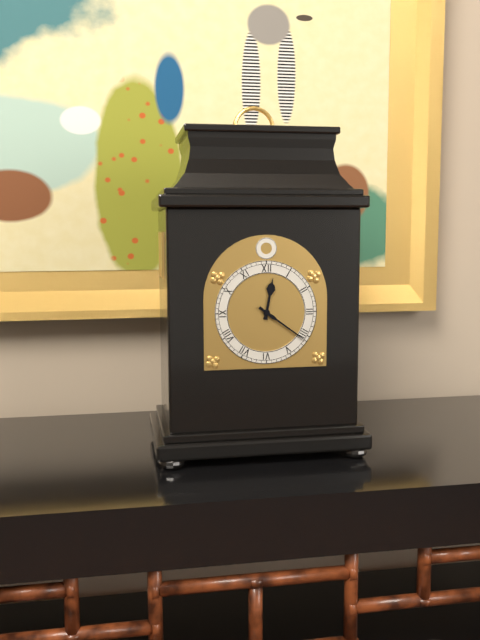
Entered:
12h21
